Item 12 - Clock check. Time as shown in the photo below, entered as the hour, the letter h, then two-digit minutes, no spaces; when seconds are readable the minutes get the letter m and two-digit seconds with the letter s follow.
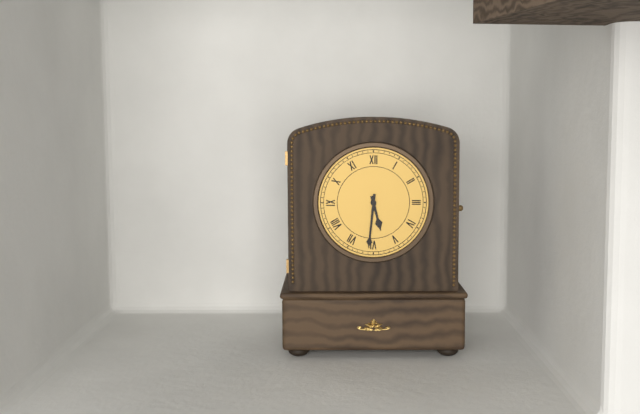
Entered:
5h31
